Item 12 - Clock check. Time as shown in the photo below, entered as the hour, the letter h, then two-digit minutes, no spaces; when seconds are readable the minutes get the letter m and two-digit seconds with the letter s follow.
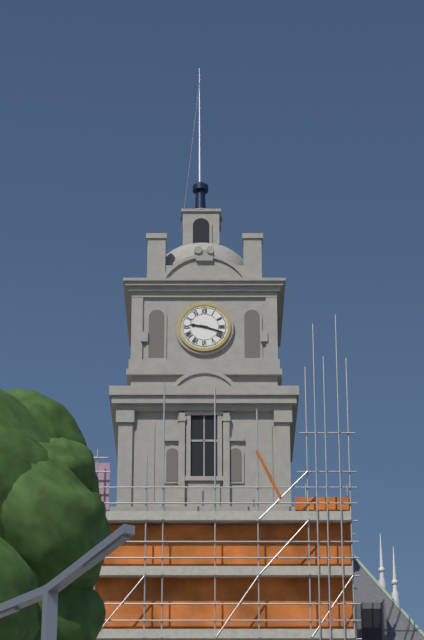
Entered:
9h18
